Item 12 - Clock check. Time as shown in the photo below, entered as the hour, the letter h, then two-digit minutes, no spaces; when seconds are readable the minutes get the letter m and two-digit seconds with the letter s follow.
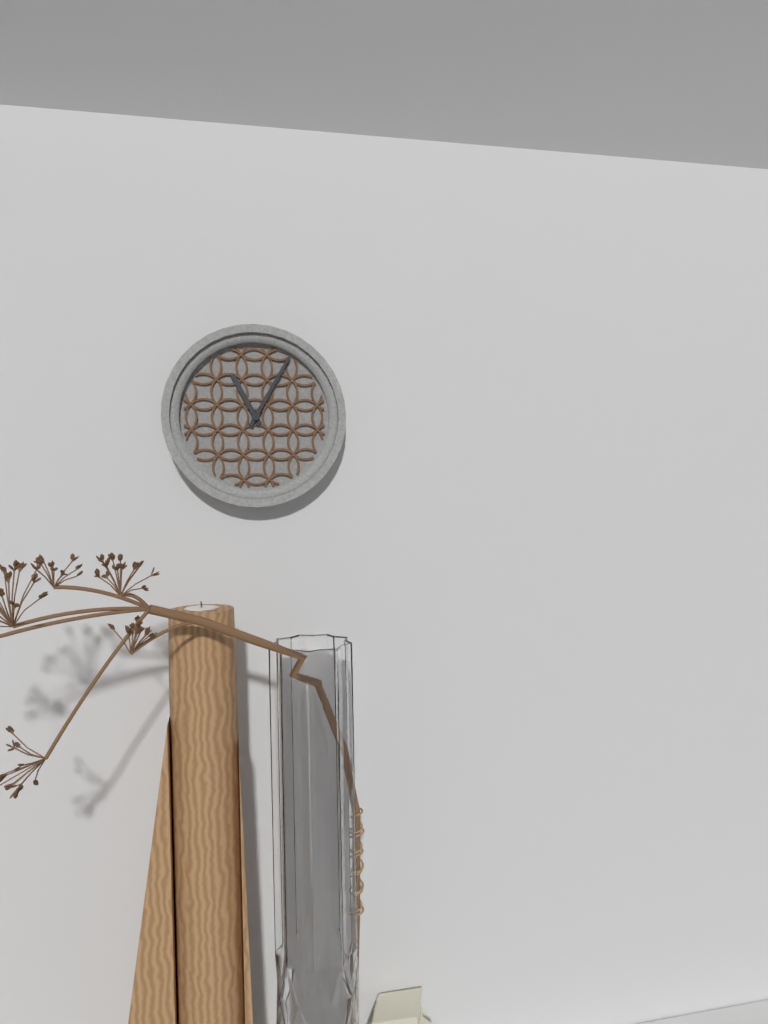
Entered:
11h05
